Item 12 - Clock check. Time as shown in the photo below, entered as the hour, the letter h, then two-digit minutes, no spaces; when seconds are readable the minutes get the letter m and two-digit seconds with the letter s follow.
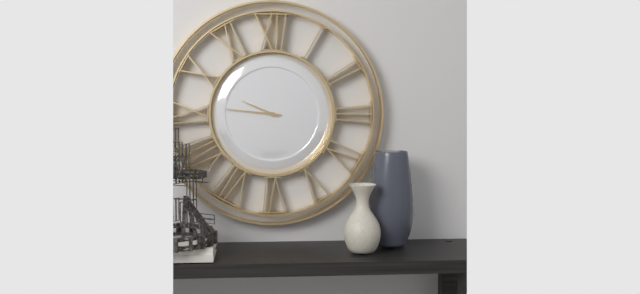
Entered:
9h46
